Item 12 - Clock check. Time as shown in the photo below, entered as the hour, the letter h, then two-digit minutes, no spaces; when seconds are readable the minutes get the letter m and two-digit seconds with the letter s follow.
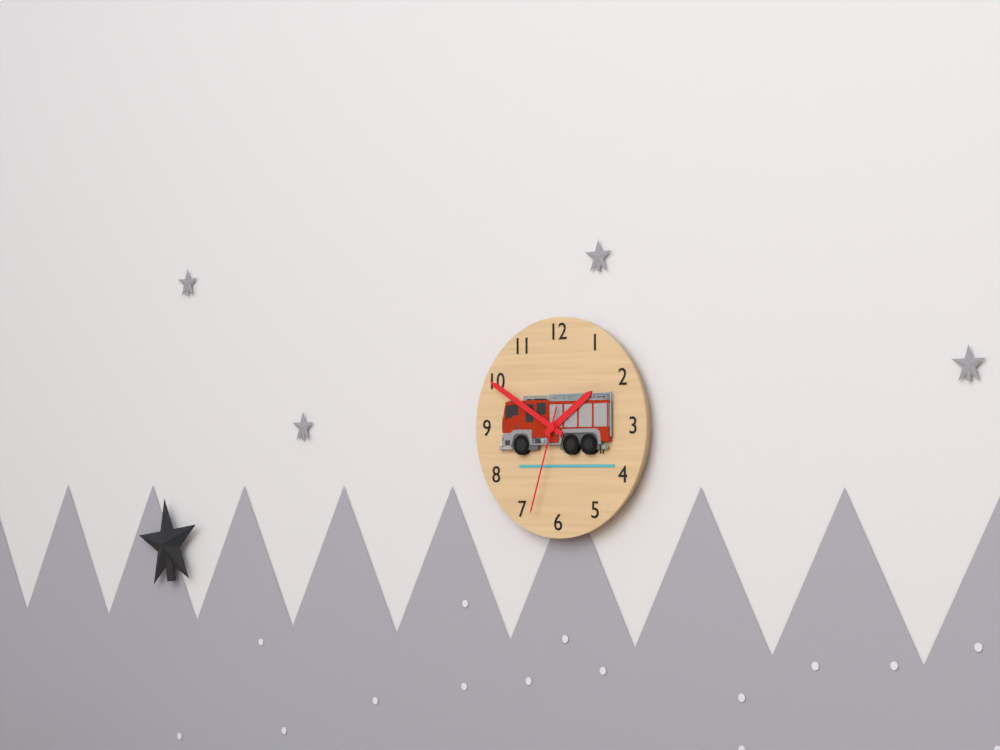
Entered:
1h50m33s
